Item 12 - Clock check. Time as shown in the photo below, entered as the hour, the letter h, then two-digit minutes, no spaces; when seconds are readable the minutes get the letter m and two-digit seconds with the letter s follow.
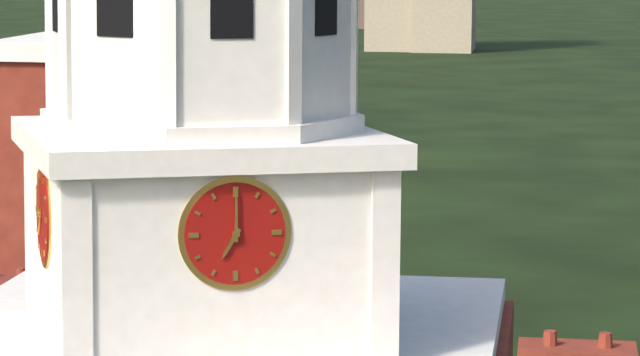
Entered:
7h00
